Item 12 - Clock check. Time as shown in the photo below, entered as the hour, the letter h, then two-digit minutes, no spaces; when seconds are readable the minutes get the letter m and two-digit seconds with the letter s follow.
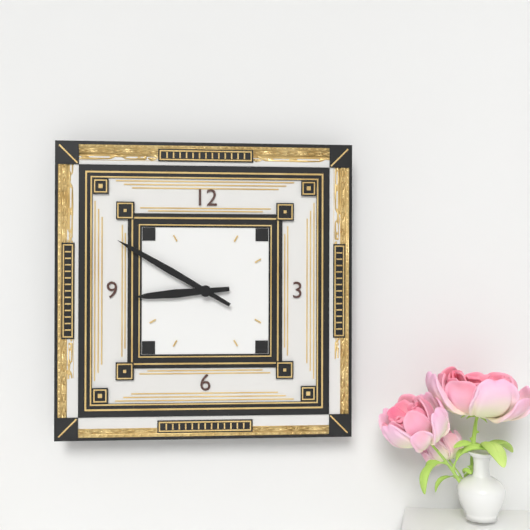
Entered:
8h50
